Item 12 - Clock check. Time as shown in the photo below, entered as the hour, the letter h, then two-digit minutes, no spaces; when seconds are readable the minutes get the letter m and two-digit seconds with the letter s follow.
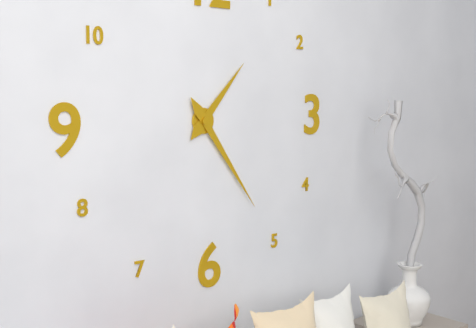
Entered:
1h24
